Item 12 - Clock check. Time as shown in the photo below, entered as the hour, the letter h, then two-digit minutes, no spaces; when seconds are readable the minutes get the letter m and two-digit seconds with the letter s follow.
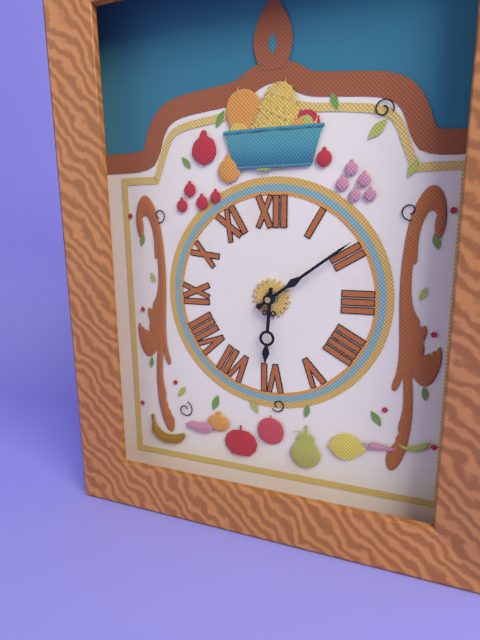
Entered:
6h09
